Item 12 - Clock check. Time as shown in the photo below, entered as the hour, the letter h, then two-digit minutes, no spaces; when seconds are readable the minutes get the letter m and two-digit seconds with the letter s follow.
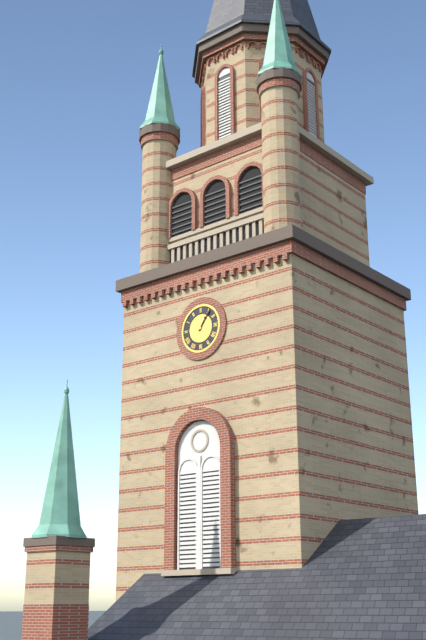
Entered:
1h06
